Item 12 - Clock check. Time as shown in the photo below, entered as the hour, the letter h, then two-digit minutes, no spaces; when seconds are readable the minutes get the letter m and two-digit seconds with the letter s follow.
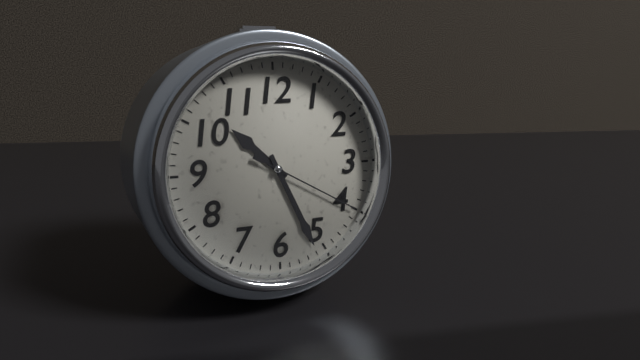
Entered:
10h26m20s
